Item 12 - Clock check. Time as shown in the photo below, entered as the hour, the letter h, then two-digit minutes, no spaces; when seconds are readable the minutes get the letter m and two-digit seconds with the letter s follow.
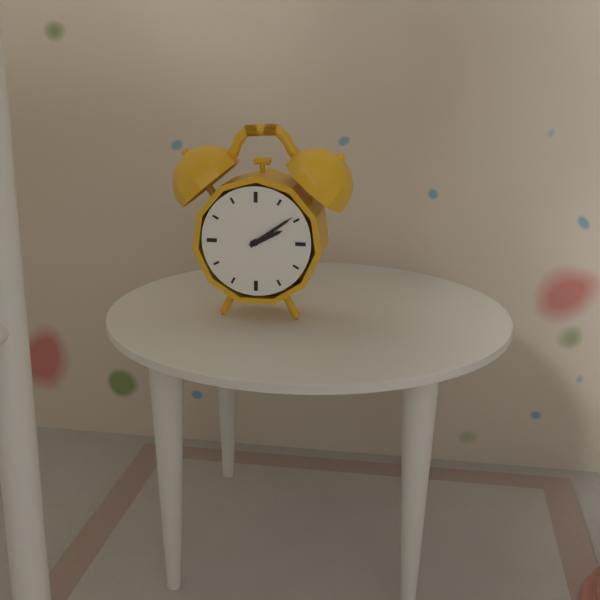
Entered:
2h09
